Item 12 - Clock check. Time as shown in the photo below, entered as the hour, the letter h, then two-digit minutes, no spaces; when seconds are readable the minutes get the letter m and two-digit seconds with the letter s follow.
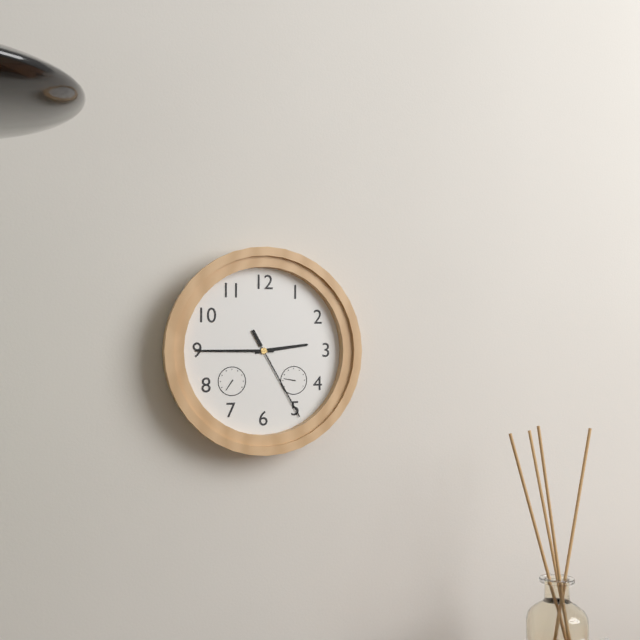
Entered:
2h45m25s
